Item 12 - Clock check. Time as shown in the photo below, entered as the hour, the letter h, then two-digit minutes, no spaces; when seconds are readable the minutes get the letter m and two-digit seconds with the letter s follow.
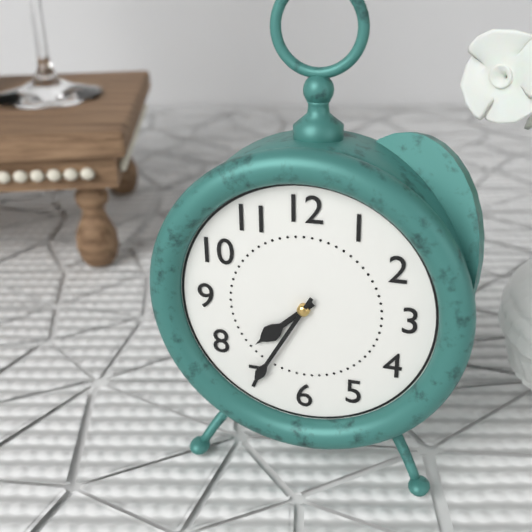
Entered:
7h35
